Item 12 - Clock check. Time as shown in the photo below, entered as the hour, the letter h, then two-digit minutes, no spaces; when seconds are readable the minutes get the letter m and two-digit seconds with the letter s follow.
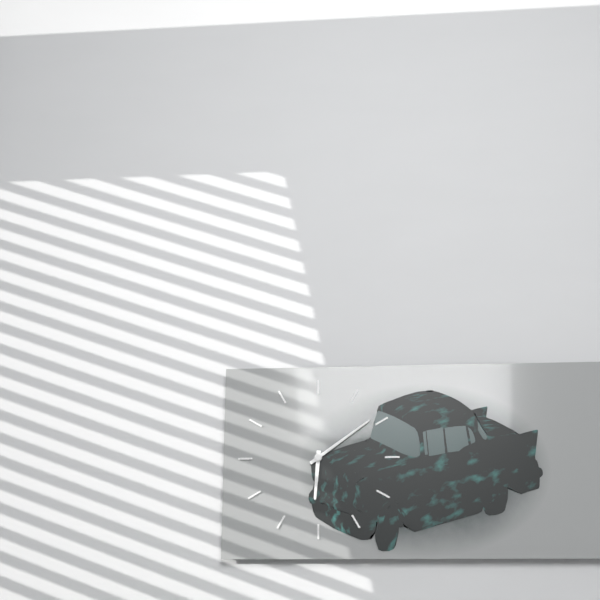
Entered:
6h09
